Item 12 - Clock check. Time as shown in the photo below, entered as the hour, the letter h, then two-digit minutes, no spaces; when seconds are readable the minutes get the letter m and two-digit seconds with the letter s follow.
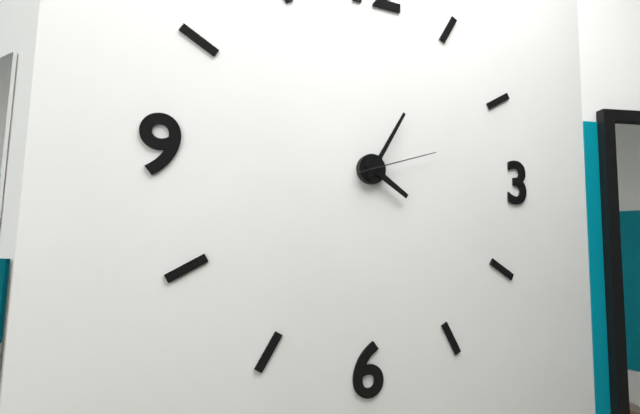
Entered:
4h05m12s
